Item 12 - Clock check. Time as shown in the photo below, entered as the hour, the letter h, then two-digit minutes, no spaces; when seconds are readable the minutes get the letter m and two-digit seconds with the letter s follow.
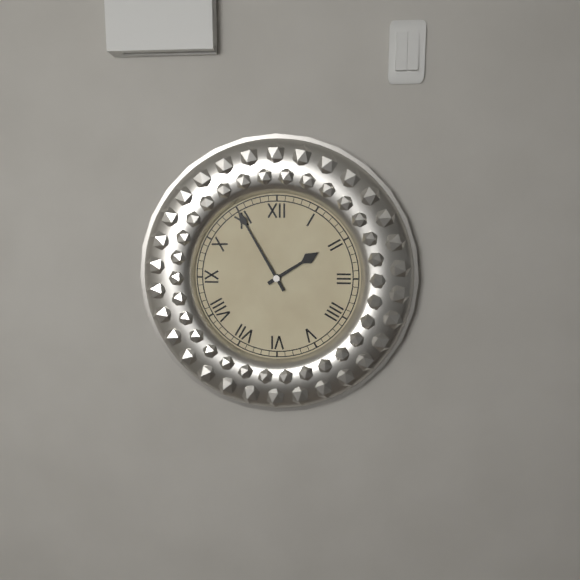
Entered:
1h55
